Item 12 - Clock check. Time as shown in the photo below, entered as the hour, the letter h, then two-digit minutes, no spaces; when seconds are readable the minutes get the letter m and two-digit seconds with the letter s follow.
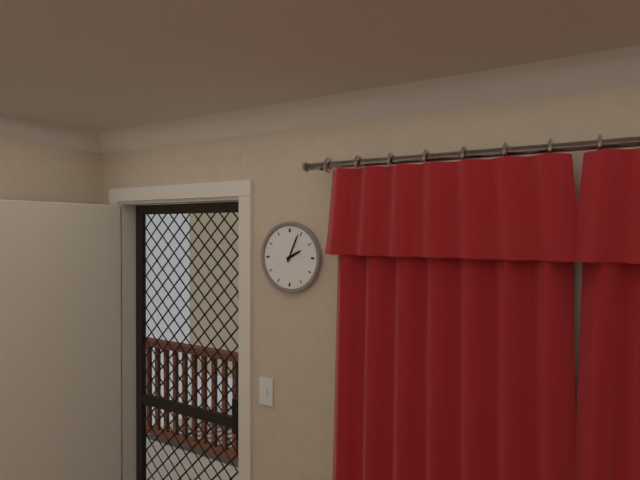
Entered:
2h04
